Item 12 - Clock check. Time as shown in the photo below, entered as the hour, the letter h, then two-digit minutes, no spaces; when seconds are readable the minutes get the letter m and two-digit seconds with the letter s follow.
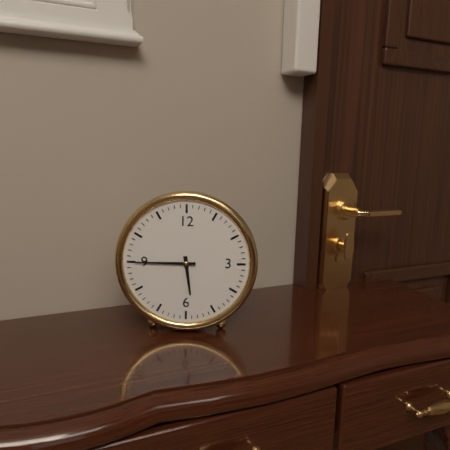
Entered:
5h45
